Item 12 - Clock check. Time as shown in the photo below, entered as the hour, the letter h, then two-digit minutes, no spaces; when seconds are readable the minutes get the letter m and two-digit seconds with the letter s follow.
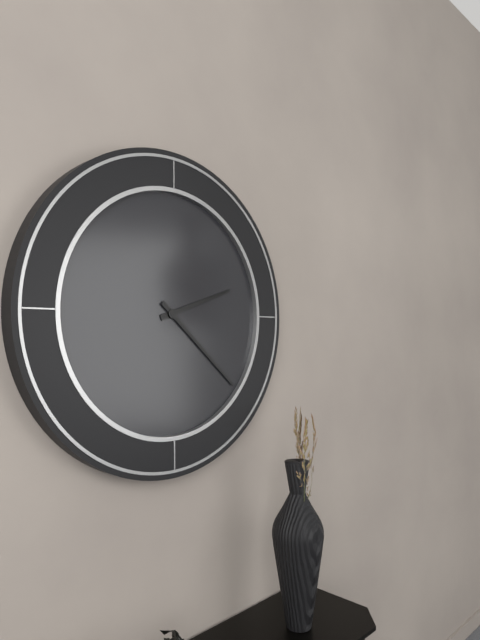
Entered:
2h22
